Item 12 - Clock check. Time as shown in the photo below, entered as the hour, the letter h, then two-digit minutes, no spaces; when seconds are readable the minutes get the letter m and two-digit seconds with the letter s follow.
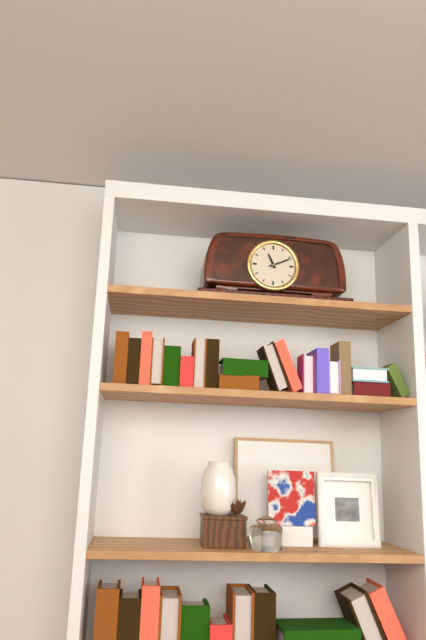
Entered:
11h11
